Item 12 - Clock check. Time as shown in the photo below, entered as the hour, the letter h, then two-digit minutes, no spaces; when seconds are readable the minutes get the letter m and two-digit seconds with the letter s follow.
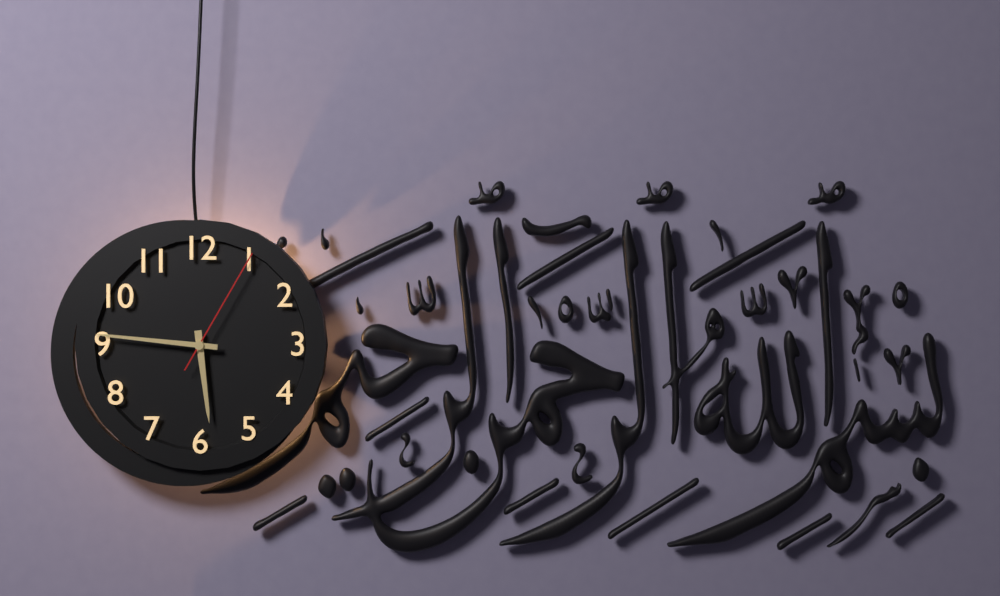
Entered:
5h46m05s
